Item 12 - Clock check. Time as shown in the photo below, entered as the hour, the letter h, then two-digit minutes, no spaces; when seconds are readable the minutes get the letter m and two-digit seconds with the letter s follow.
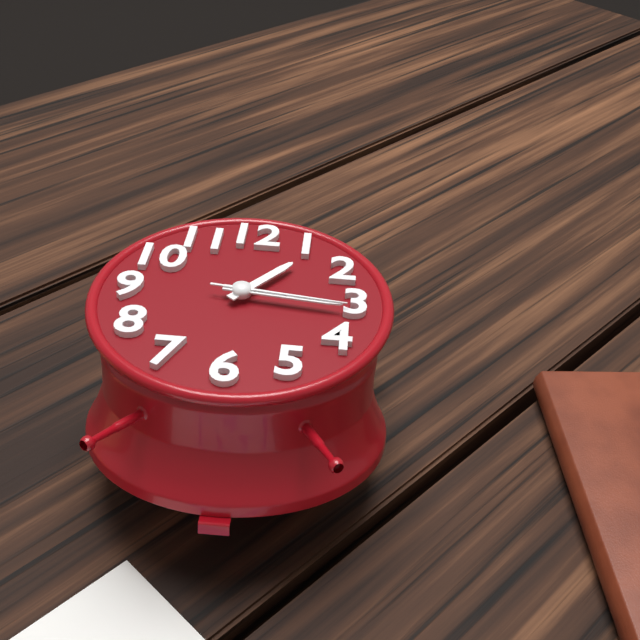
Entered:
1h16m16s
